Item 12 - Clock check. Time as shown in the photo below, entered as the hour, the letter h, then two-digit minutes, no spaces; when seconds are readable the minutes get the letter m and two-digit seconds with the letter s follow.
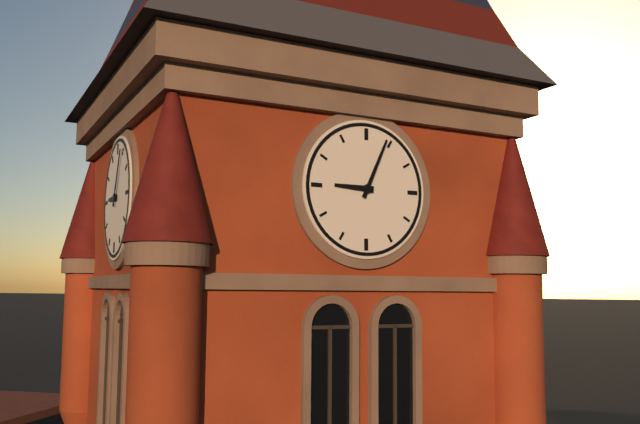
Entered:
9h04
